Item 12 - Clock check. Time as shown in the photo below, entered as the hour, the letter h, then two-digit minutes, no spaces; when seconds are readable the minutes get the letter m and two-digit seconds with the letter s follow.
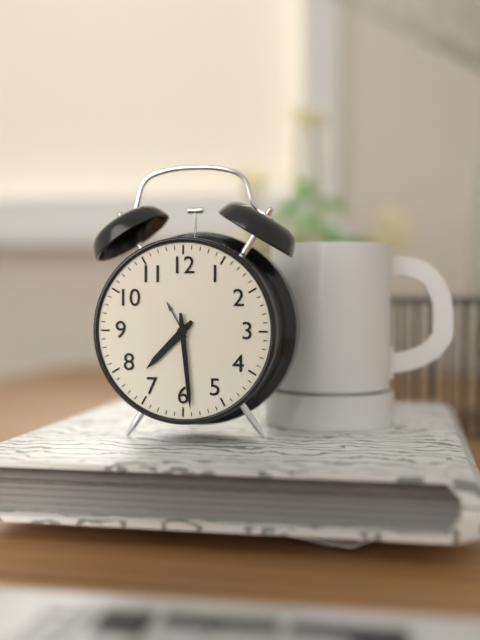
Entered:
7h29
